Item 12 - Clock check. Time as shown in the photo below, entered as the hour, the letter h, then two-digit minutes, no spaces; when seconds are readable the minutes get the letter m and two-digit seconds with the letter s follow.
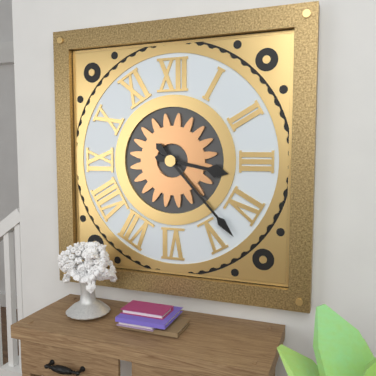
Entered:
3h23
